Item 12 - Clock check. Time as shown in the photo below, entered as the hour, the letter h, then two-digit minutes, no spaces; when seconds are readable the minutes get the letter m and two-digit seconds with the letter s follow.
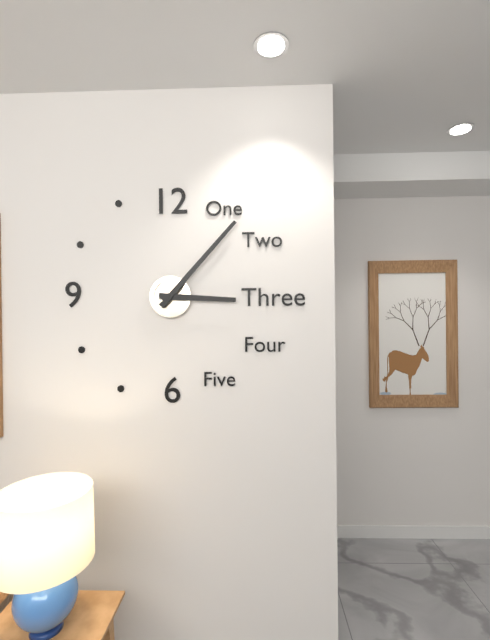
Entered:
3h07
